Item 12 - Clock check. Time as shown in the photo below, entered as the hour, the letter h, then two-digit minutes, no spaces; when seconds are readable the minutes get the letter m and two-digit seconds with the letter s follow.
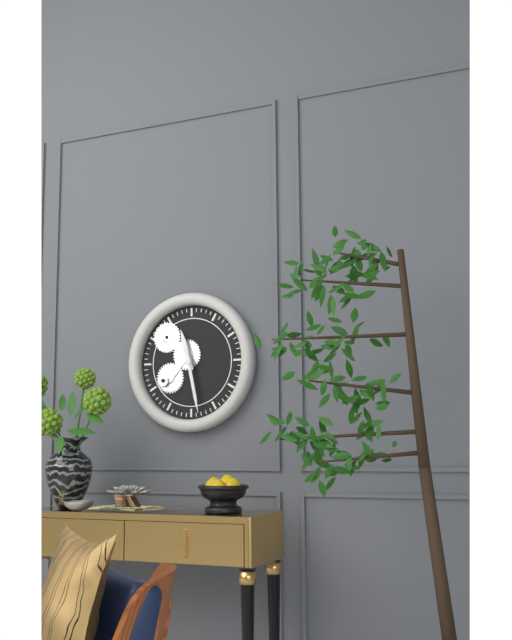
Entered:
11h28
